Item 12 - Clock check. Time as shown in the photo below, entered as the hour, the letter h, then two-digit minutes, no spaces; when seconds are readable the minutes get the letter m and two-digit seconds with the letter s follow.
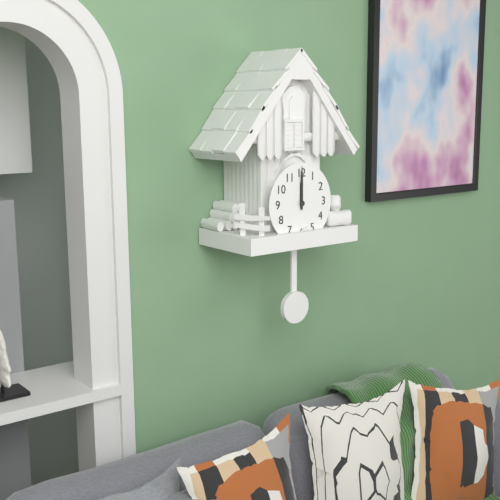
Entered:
12h00
